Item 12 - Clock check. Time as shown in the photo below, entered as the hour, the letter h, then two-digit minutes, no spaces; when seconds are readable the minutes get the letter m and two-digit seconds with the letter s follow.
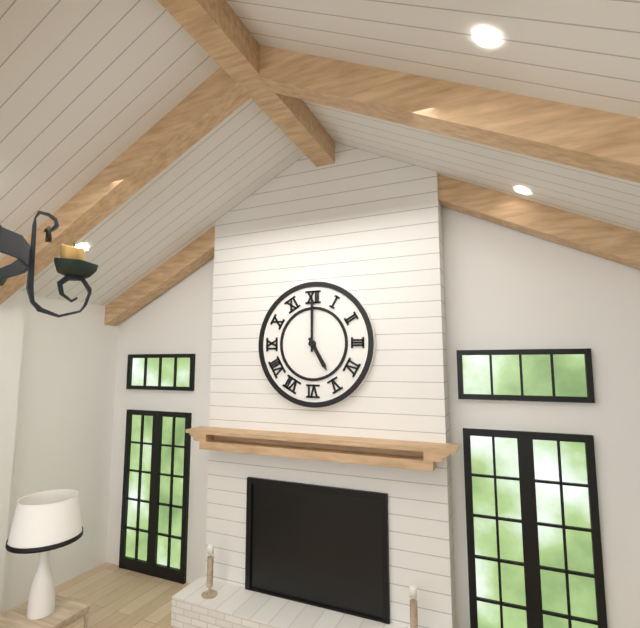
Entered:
5h00
